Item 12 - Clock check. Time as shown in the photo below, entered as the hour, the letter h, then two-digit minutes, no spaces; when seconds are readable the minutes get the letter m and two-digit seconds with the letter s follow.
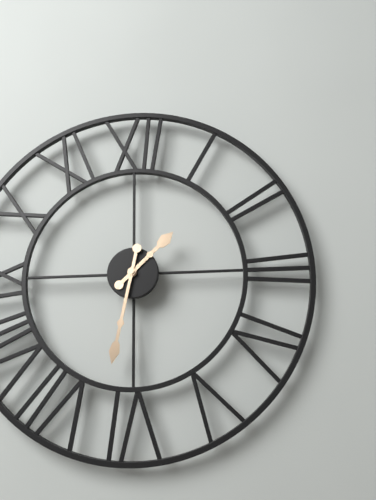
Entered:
1h32
